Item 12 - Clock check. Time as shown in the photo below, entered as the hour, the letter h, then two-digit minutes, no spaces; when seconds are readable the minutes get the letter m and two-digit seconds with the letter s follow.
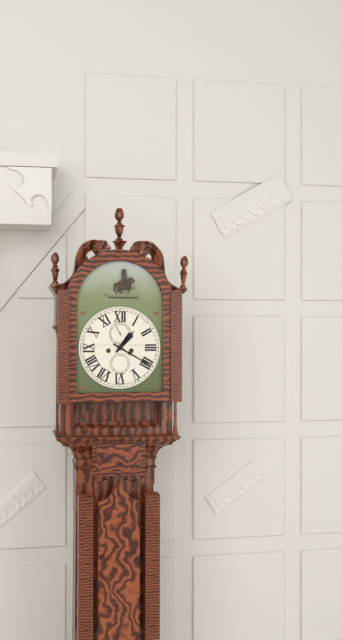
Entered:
1h20
